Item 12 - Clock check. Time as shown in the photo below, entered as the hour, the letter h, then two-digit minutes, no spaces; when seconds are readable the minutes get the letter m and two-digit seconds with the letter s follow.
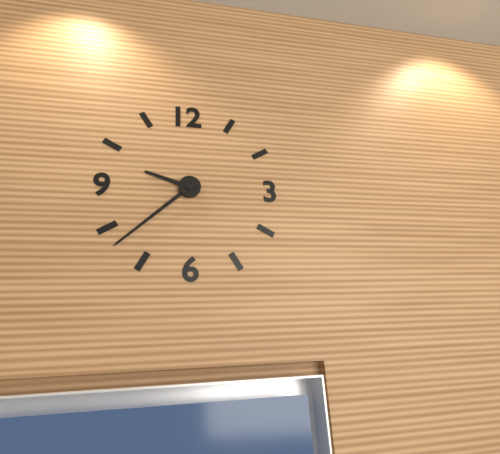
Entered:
9h38
